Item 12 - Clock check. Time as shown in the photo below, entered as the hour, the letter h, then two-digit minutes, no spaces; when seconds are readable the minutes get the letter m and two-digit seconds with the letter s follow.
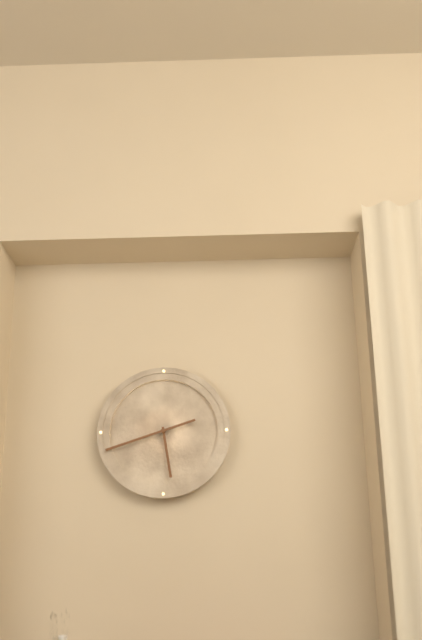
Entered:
5h42
